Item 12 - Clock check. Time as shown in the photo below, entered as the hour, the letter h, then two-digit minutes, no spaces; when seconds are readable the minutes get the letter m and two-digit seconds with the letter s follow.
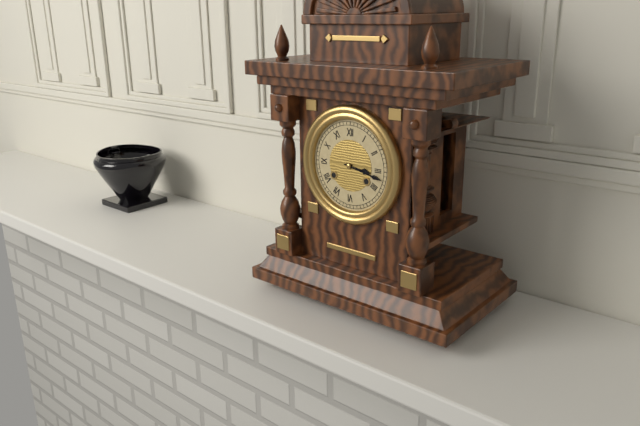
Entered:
3h17
